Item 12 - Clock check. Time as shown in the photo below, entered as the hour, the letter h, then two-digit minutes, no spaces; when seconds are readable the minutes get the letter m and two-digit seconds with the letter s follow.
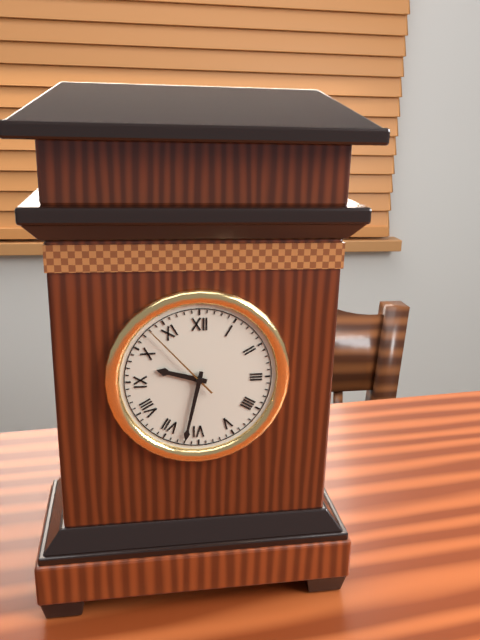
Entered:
9h32m53s
